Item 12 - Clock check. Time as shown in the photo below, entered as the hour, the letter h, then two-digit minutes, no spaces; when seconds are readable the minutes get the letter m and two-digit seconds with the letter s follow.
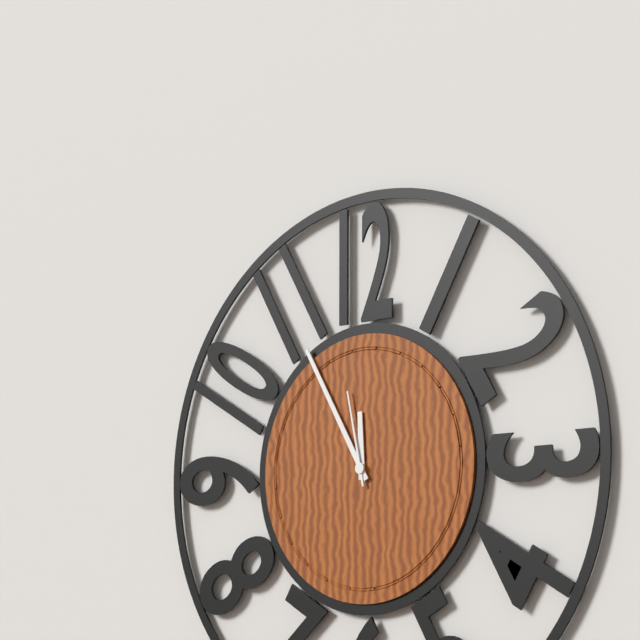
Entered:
11h55m58s
